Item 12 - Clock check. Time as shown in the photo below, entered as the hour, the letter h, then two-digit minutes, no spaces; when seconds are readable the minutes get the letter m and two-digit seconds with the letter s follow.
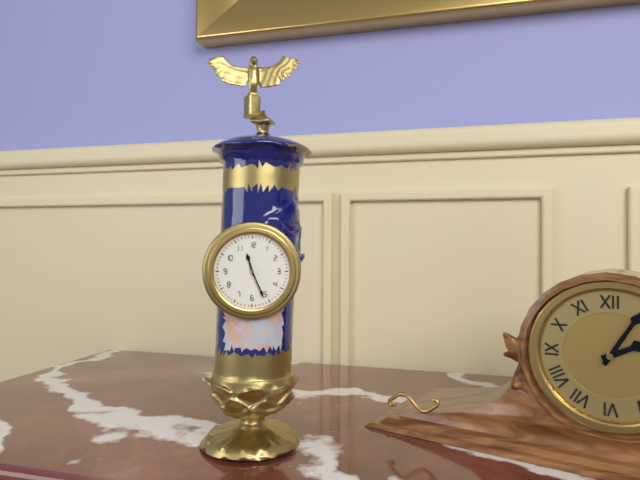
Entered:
11h26
